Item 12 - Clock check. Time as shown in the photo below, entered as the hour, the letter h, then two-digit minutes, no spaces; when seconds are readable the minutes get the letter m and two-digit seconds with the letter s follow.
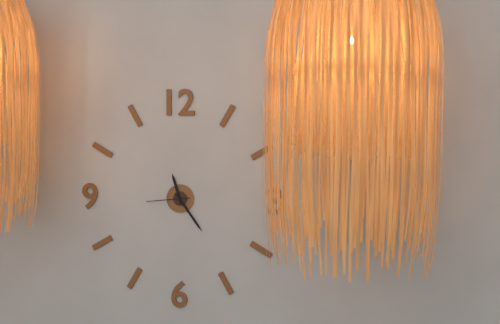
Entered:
11h24
